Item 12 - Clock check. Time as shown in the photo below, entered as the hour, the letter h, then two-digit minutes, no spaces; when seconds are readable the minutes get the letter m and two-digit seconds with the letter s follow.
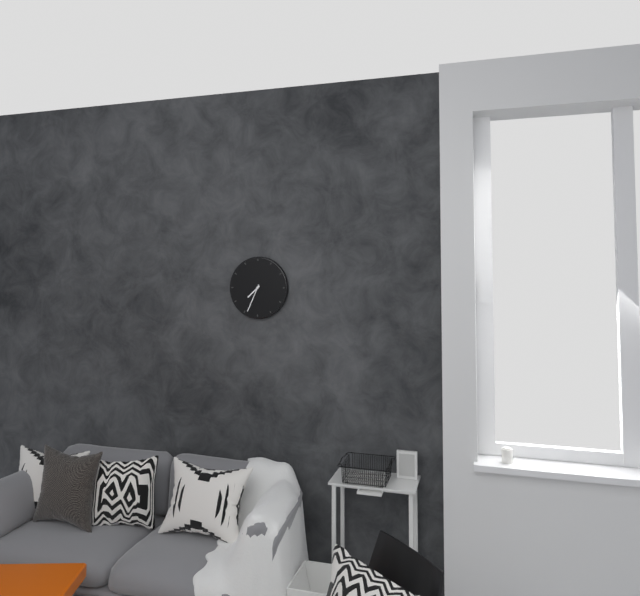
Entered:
7h34
